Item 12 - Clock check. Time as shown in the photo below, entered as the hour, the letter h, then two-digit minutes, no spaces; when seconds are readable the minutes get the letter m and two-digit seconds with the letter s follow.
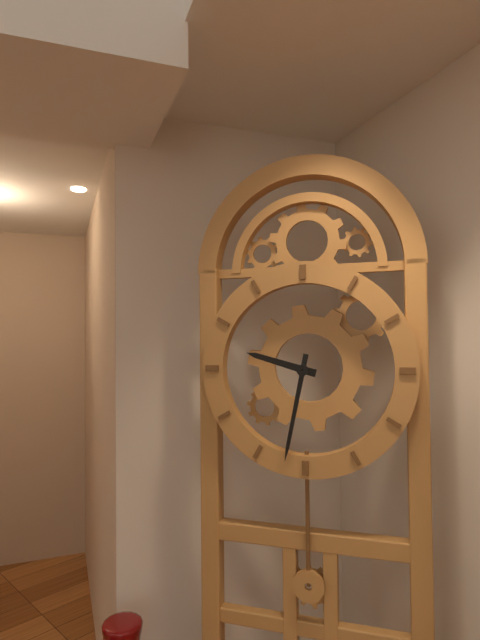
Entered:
9h32
